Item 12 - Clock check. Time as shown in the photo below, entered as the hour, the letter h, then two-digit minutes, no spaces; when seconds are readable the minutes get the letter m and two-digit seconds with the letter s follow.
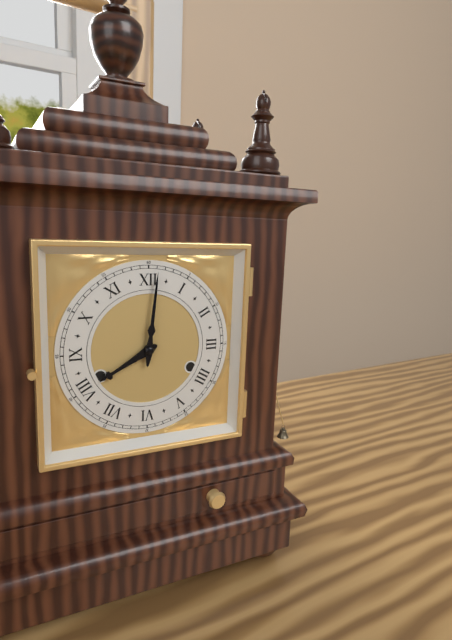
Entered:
8h01
